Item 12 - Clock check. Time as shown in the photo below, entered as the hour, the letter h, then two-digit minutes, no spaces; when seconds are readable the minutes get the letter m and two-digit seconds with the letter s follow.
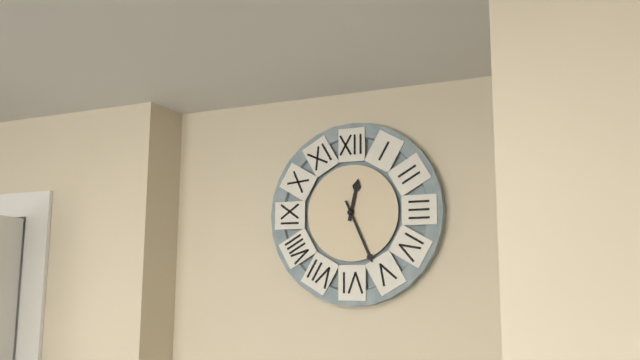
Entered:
12h26
